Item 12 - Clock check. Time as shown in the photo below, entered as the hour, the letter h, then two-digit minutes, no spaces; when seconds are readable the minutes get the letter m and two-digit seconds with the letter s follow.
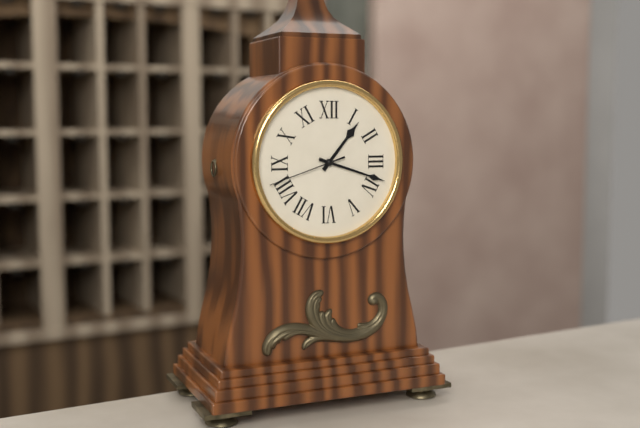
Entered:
1h18m42s
